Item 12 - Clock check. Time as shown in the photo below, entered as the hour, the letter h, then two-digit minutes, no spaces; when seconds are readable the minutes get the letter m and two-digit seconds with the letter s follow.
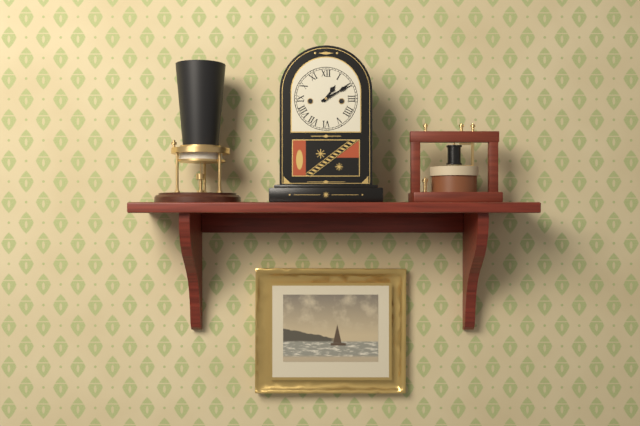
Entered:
1h10
